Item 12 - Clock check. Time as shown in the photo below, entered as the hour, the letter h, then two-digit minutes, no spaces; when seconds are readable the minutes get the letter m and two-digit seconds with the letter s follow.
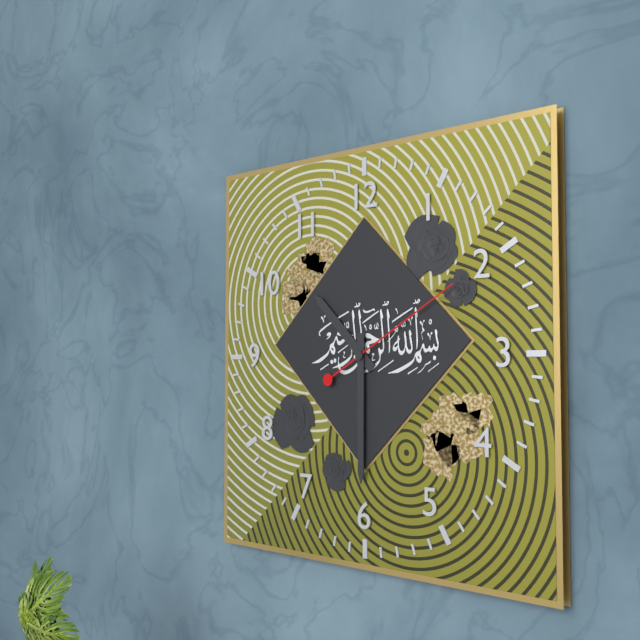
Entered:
10h30m10s
